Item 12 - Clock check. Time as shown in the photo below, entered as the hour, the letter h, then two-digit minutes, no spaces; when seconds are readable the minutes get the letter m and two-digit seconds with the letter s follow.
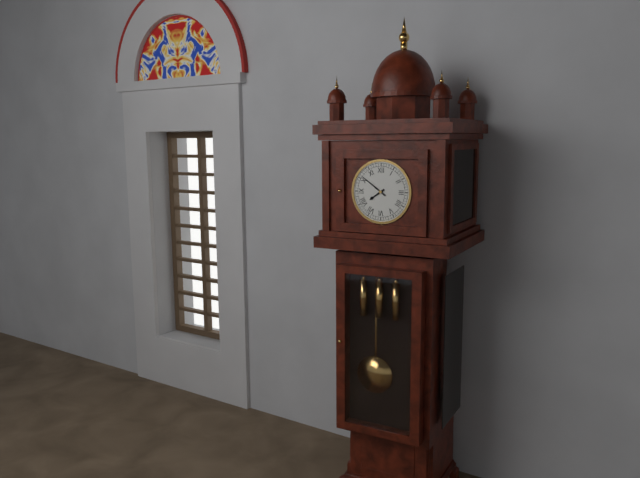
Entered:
7h51
